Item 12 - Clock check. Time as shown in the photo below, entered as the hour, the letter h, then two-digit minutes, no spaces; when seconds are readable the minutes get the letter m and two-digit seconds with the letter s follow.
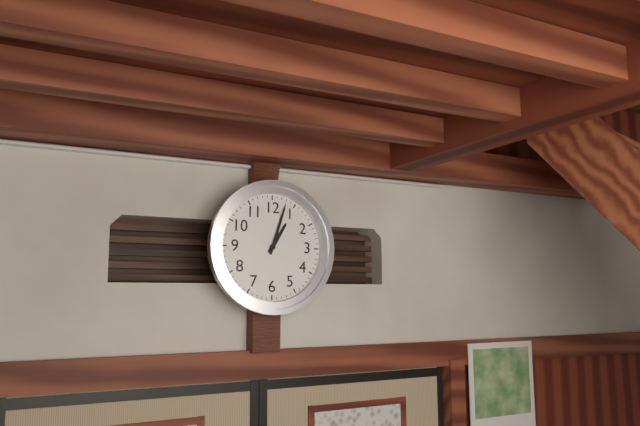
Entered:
1h03
